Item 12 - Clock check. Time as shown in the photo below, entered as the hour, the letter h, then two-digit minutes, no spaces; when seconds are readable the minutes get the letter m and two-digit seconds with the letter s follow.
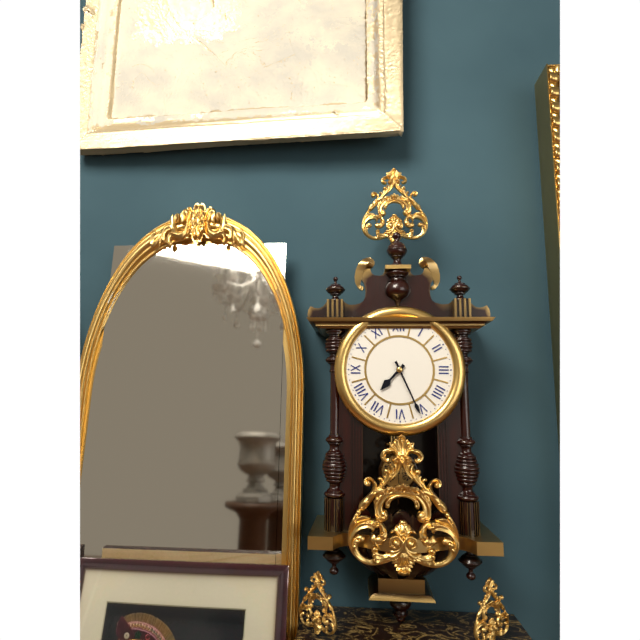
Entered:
7h26
